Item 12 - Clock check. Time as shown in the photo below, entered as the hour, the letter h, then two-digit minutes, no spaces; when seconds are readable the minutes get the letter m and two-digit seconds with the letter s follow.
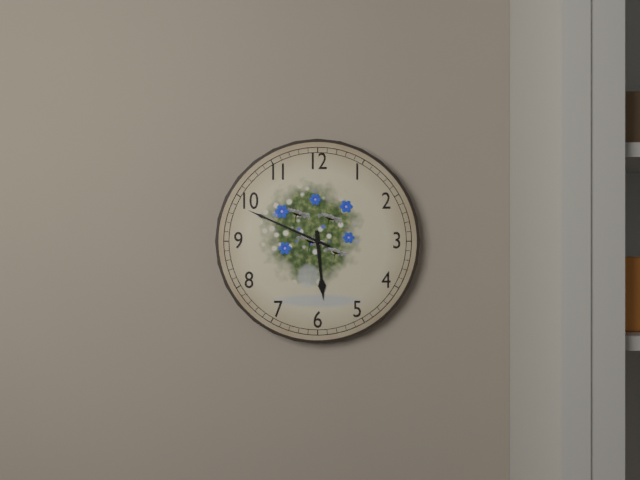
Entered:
5h49
